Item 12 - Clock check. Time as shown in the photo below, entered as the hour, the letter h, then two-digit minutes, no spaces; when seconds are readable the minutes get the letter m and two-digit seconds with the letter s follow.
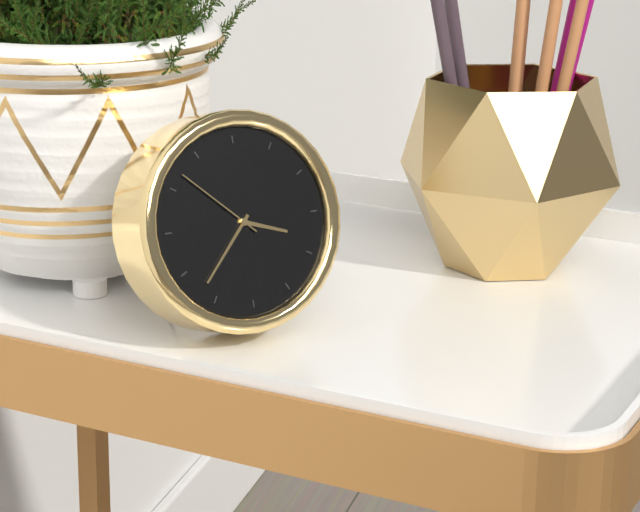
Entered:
3h37m52s
